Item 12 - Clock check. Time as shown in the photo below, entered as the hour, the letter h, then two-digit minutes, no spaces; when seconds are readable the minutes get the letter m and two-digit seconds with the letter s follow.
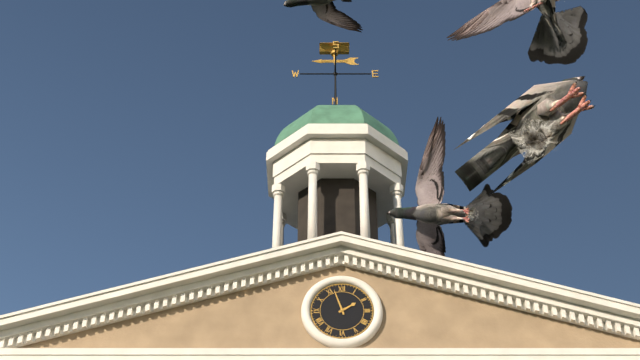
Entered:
1h57
